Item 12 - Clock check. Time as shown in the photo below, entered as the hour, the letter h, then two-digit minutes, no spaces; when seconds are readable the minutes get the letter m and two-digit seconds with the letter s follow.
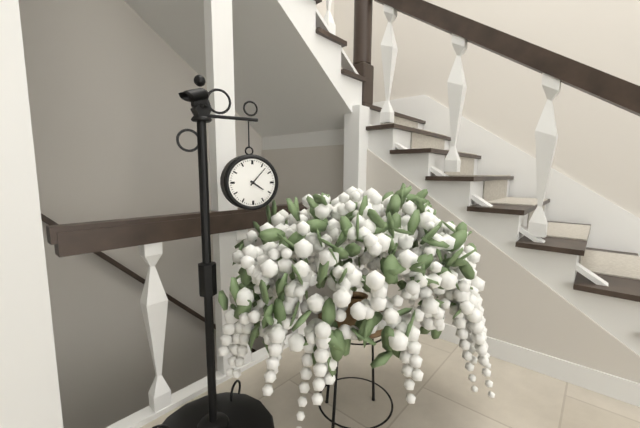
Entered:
4h07
